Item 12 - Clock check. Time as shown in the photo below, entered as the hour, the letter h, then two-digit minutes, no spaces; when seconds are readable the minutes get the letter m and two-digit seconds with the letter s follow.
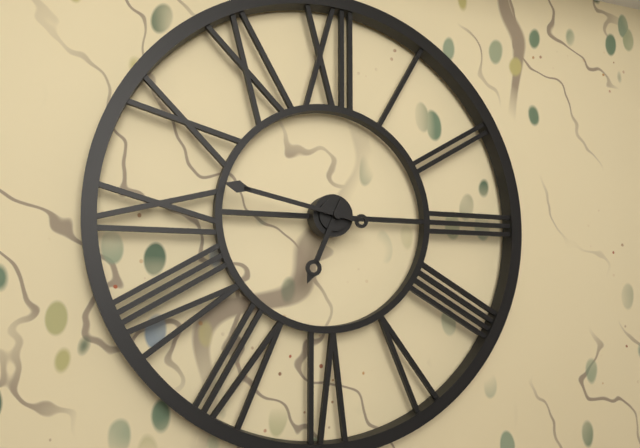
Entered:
6h47
